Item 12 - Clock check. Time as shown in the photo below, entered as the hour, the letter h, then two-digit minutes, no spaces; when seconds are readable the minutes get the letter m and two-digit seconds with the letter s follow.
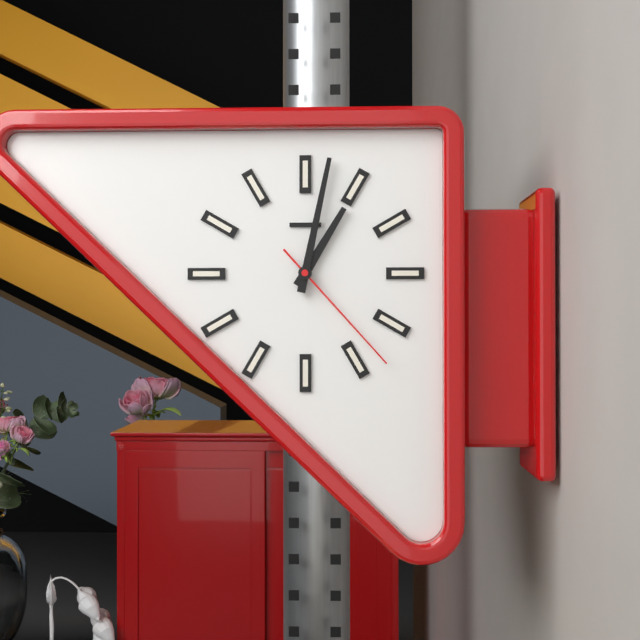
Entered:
1h02m23s
